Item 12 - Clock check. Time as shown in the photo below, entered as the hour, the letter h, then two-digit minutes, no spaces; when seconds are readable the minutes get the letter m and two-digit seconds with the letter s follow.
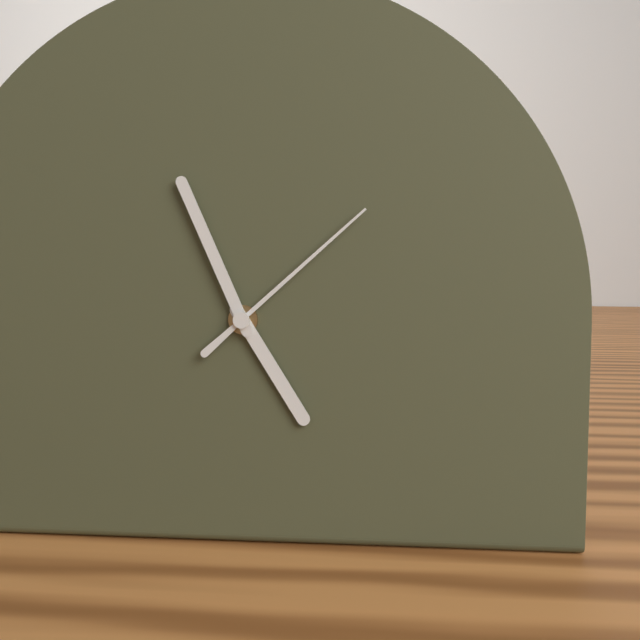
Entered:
4h56m08s
